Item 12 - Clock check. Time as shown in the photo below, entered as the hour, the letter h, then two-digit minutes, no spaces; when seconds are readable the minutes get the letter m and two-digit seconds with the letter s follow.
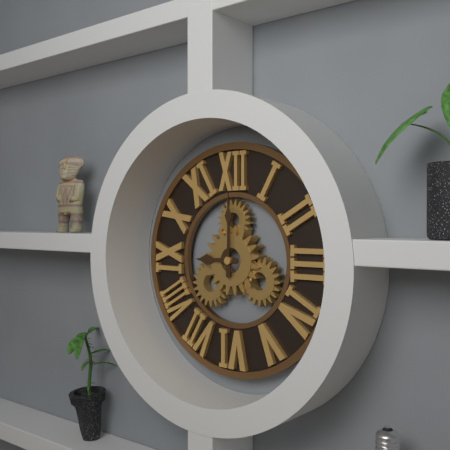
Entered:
9h00
